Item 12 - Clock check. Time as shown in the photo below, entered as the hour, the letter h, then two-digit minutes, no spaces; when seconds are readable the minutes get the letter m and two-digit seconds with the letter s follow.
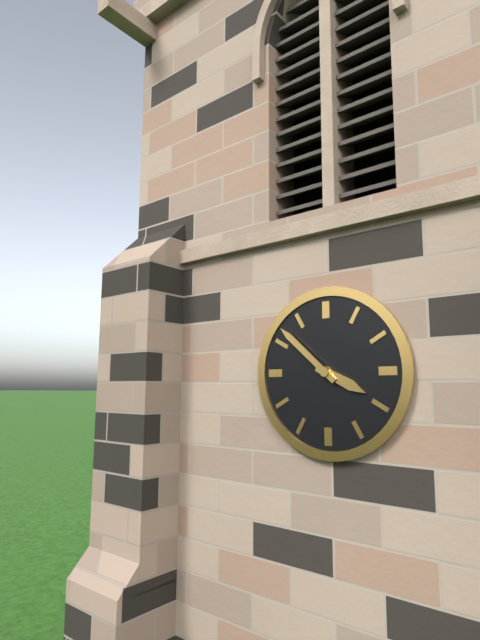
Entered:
3h52
